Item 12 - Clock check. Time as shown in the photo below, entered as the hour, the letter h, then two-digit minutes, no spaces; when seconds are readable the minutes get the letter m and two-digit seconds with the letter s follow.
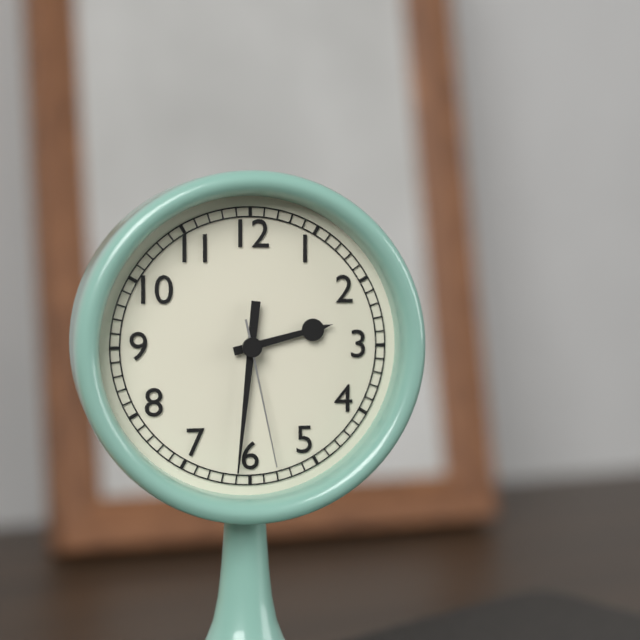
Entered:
2h31m28s
